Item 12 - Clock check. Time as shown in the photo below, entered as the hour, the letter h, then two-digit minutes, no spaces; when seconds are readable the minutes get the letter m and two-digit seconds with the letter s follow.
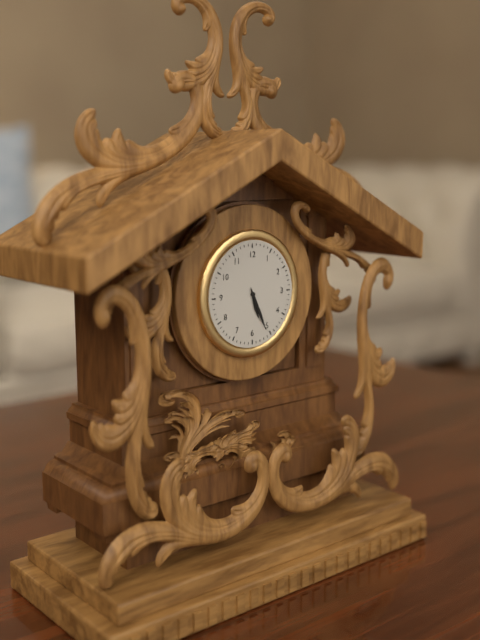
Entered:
5h26
